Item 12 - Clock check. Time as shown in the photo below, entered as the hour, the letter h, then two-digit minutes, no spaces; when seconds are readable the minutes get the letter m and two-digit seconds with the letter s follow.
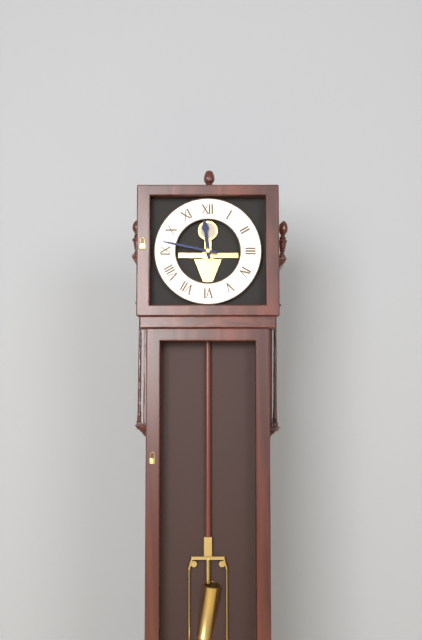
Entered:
11h47
